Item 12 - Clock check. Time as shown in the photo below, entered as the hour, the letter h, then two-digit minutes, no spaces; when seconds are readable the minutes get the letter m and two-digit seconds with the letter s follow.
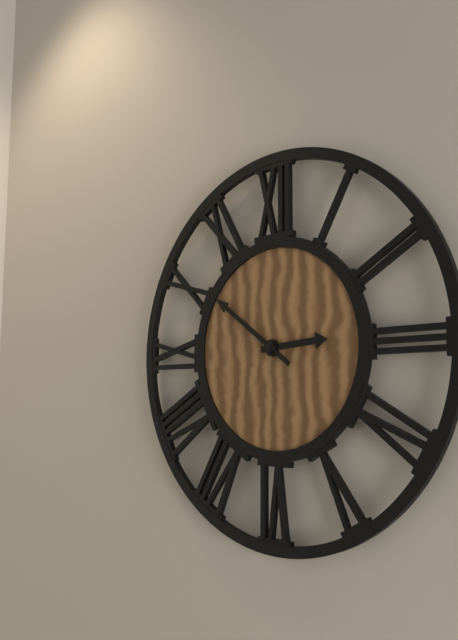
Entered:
2h51
